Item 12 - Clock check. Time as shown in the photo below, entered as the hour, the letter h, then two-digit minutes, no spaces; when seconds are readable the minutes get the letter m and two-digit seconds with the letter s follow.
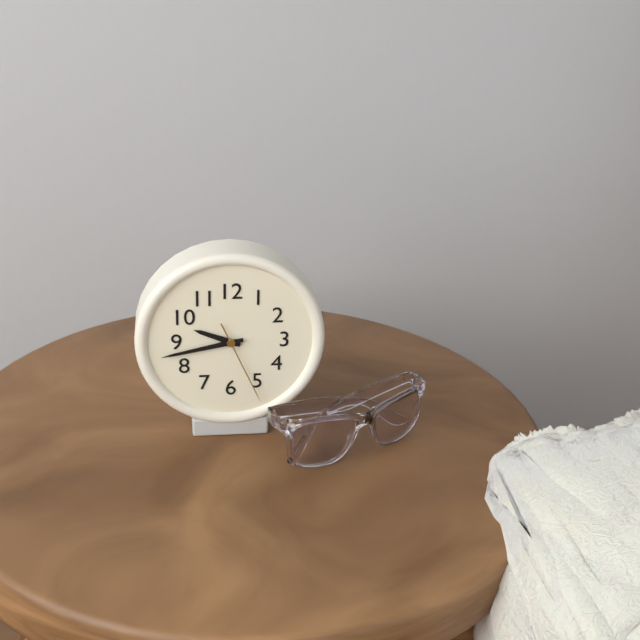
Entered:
9h43m26s
